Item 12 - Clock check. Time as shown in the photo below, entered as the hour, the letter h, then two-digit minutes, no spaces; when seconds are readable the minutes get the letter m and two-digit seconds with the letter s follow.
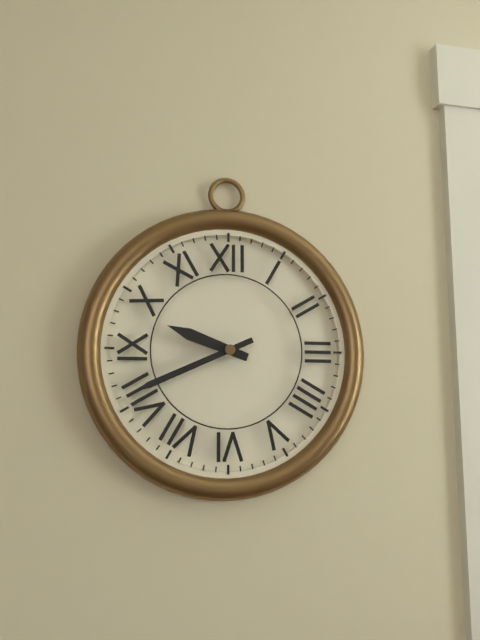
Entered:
9h41
